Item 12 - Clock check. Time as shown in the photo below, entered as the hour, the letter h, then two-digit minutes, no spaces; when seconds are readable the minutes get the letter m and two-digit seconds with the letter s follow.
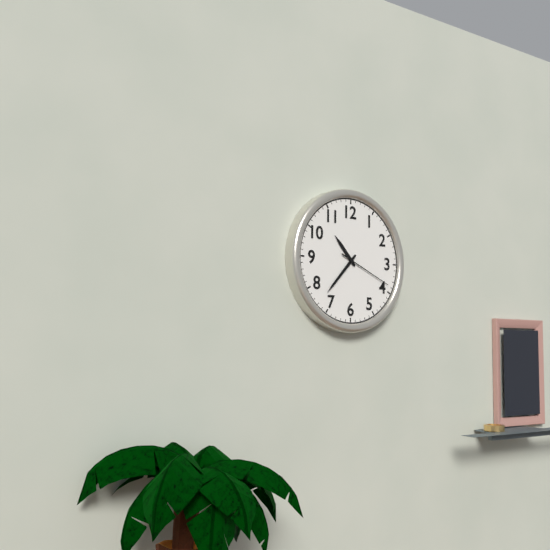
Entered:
10h37m19s
